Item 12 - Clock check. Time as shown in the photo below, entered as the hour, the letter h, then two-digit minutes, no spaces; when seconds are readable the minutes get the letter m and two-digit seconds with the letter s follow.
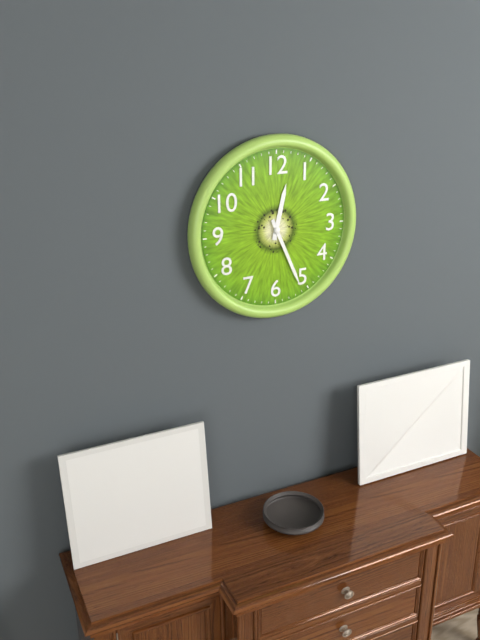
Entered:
12h26
